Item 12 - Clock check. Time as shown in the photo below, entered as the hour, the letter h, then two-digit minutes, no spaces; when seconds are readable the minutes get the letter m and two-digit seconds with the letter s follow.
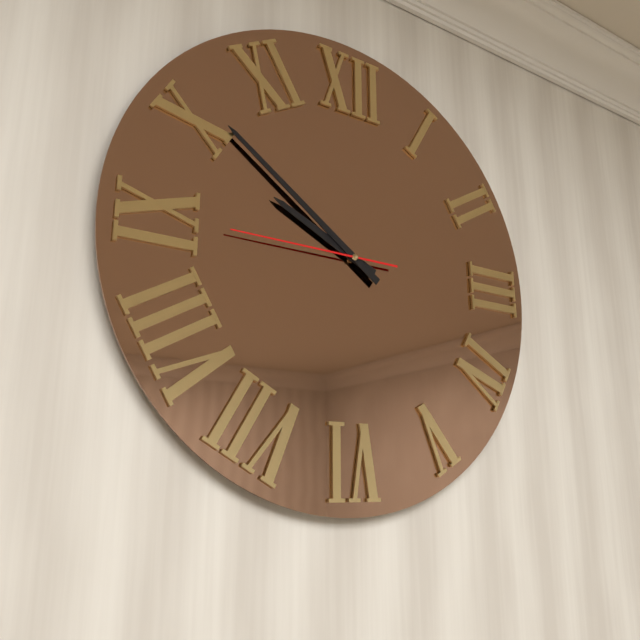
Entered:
9h51m45s
